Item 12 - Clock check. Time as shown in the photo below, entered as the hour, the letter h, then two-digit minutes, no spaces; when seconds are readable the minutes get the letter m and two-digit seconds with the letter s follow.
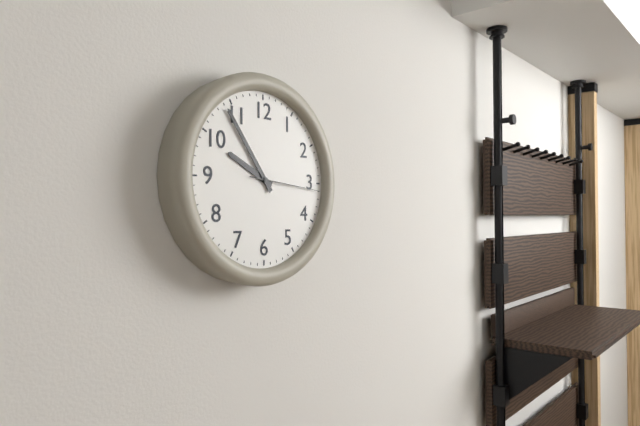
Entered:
9h54m16s
